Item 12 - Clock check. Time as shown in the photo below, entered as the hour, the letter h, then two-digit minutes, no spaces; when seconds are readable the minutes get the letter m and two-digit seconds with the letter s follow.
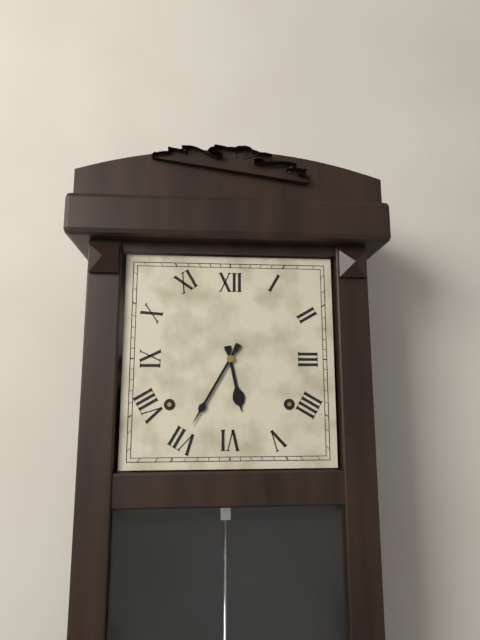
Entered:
5h35
